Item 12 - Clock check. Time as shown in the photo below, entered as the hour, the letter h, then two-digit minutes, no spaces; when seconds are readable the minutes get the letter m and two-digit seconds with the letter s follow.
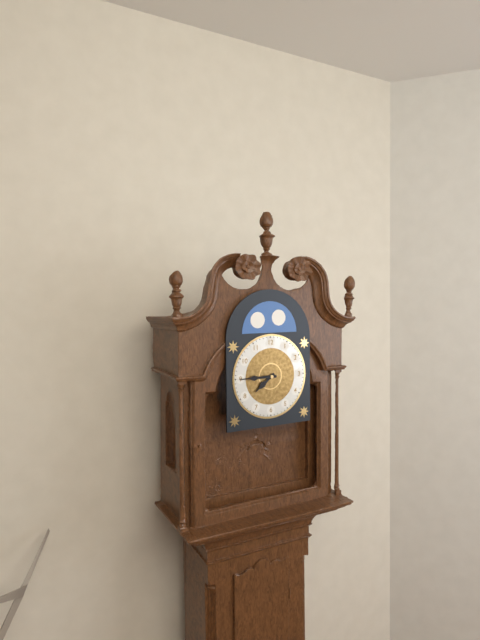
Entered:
7h45
